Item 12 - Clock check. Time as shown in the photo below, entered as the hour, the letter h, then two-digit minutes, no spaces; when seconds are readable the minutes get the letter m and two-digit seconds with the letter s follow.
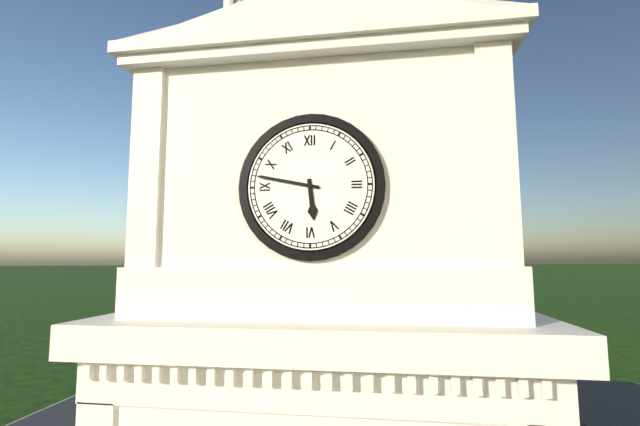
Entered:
5h47
